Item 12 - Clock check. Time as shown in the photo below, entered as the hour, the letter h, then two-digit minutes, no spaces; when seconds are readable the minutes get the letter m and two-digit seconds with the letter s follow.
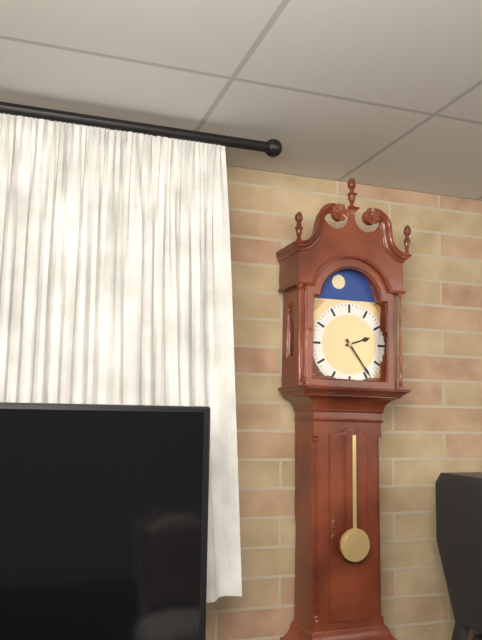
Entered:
2h24
